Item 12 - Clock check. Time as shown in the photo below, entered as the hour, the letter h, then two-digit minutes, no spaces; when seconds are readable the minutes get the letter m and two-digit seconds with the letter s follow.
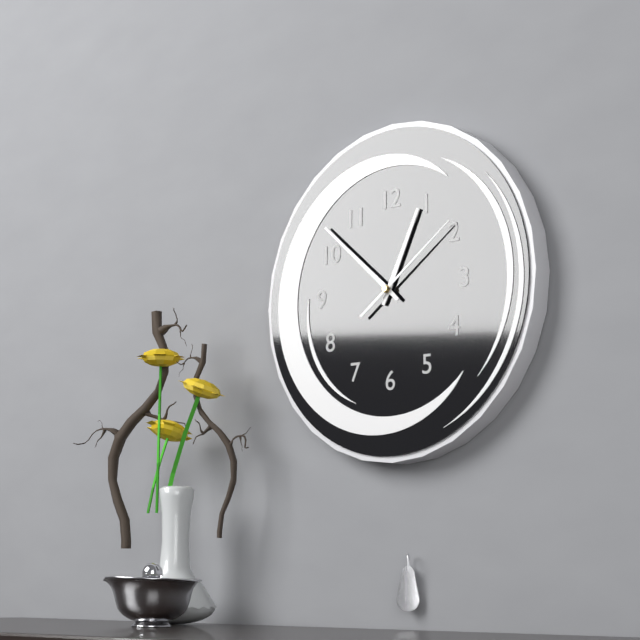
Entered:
12h52m09s
